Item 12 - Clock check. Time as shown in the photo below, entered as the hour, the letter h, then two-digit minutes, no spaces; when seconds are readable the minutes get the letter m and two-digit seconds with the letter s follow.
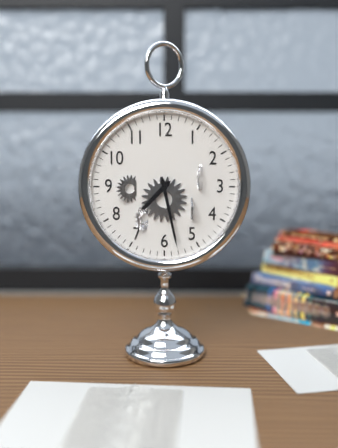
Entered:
7h28
